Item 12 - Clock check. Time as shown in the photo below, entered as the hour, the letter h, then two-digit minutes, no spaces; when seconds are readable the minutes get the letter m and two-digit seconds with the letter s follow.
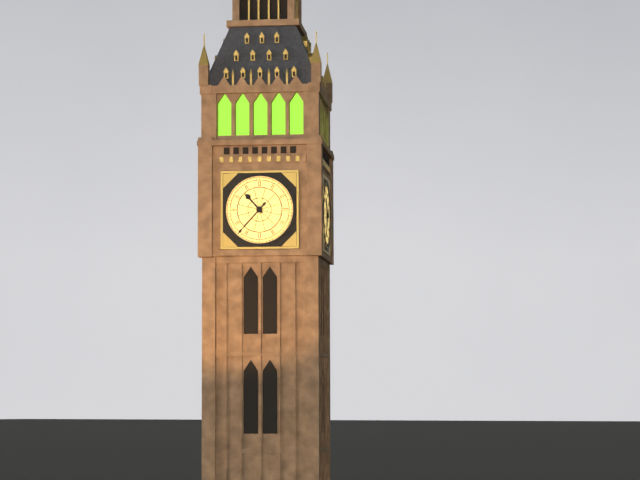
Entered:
10h37
